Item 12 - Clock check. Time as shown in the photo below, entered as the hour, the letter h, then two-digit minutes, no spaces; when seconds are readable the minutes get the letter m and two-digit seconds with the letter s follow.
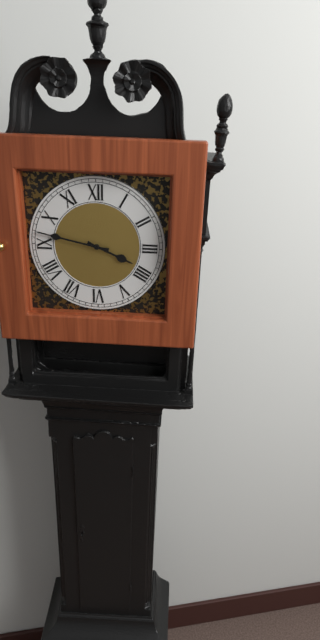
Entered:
3h47
